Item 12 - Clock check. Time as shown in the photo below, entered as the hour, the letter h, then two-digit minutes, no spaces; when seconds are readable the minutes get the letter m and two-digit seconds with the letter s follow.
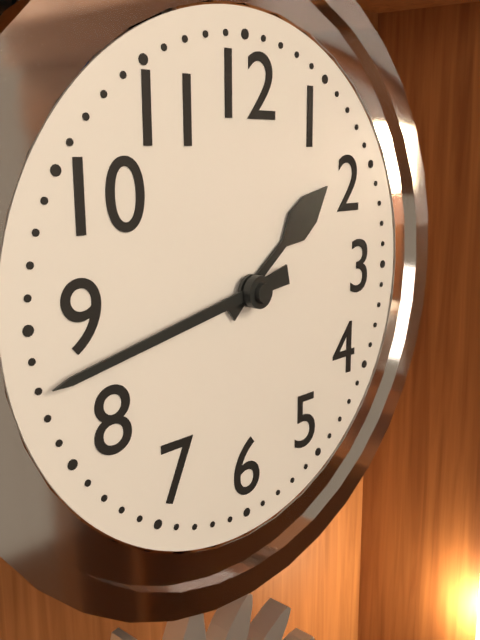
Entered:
1h43
